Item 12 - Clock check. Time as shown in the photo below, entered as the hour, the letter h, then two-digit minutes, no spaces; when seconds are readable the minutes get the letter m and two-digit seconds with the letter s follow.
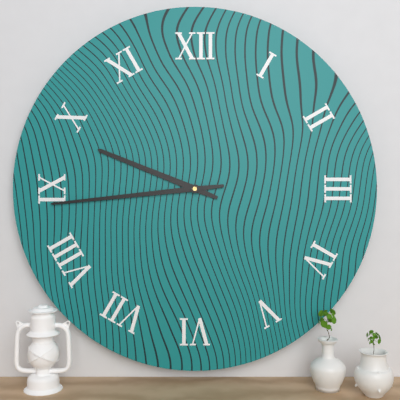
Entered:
9h44
